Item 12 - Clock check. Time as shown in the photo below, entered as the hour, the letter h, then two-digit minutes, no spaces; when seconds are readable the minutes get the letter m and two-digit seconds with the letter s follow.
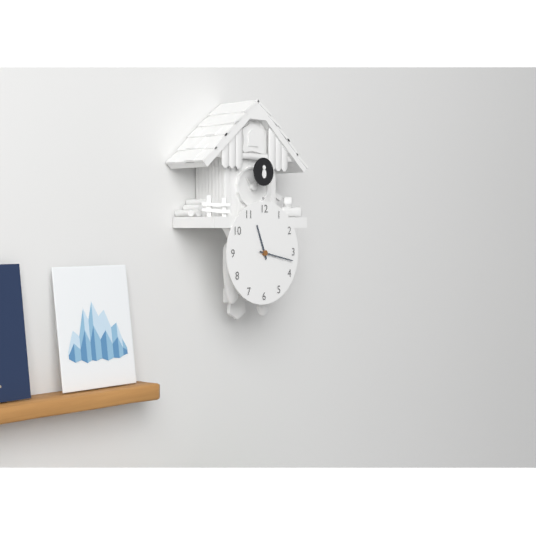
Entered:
11h17
